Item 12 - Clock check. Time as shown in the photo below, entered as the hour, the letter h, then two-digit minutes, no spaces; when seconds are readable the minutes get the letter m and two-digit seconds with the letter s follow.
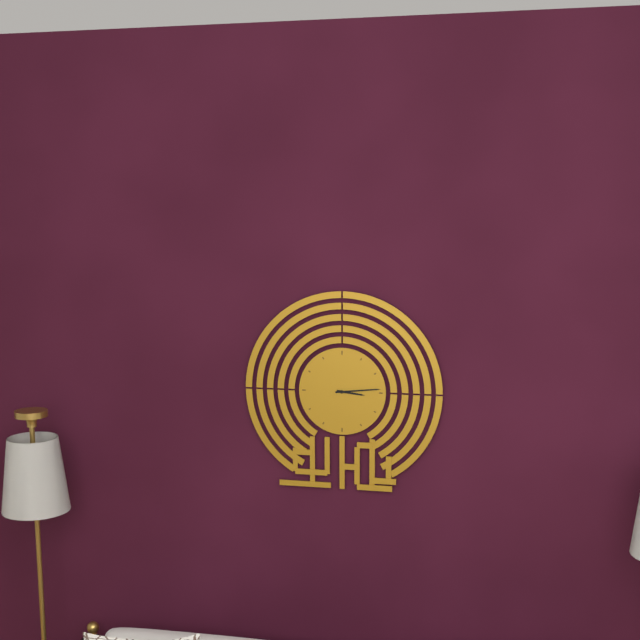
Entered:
3h14
